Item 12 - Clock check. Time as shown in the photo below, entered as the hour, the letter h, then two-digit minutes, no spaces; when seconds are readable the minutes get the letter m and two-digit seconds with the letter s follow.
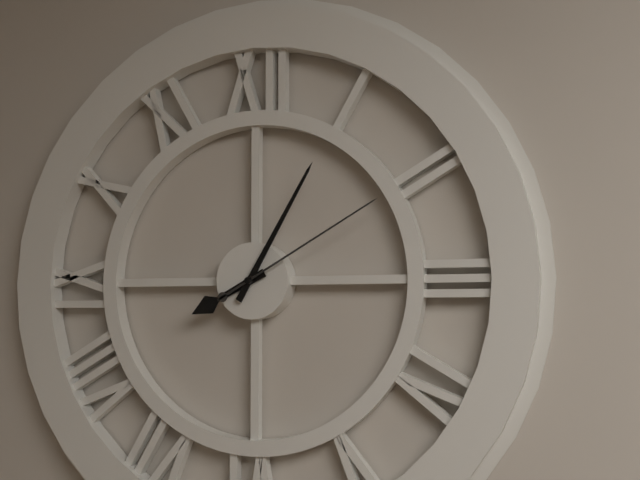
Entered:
8h05m10s
